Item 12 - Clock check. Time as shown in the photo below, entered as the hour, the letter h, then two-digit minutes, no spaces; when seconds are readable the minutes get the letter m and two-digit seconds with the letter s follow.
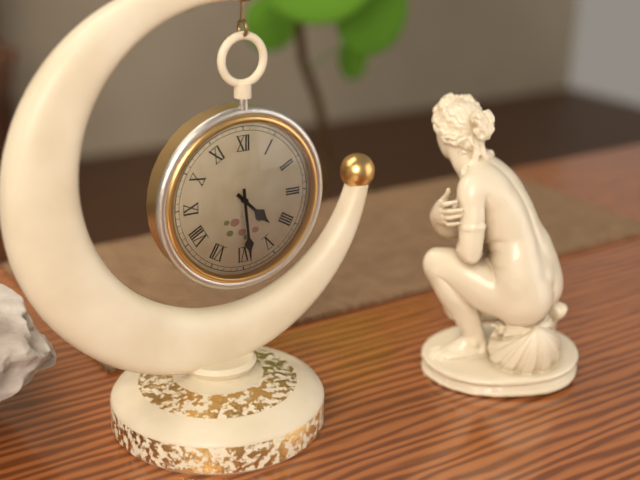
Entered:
4h29
